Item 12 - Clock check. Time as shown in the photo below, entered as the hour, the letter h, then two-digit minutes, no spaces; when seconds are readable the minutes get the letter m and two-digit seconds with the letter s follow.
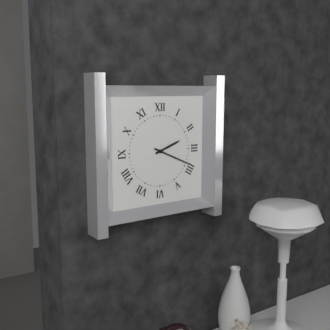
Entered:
2h19
